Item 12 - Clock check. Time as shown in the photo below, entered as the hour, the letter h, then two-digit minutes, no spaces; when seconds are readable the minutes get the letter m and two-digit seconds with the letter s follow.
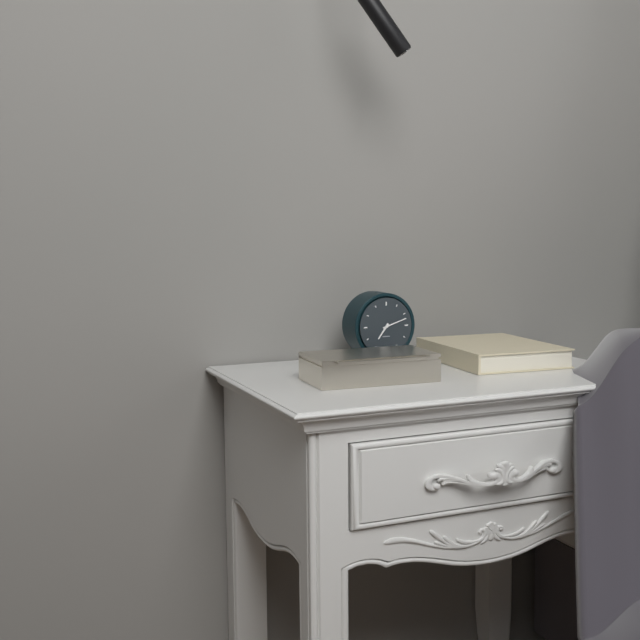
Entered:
7h12
